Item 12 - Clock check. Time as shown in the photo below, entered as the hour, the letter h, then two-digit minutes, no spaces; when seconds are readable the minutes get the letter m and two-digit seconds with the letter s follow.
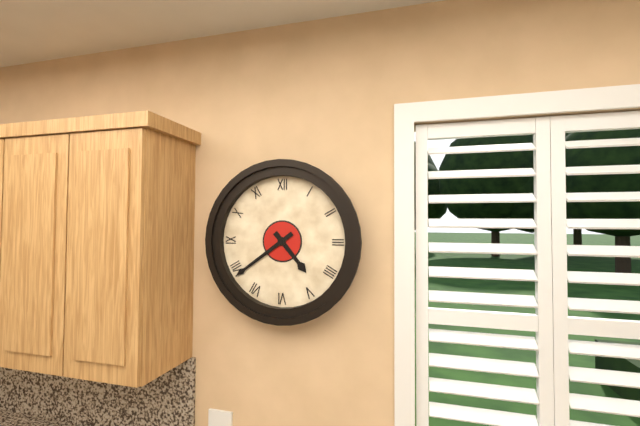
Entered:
4h39
